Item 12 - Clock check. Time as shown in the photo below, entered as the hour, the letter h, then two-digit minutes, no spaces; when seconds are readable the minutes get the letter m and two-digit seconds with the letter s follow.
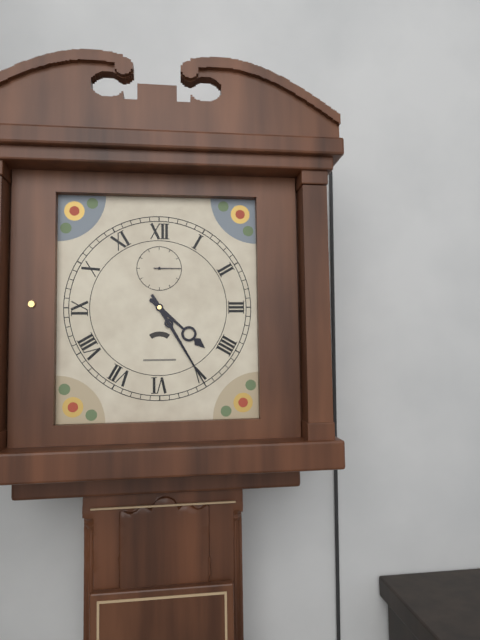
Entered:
4h25
